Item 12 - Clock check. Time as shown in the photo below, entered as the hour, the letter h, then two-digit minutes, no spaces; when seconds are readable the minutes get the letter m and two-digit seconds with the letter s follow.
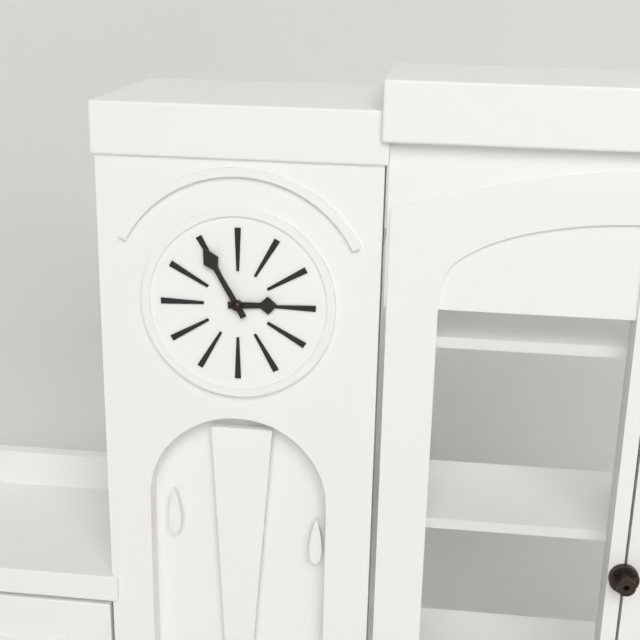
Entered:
2h55
